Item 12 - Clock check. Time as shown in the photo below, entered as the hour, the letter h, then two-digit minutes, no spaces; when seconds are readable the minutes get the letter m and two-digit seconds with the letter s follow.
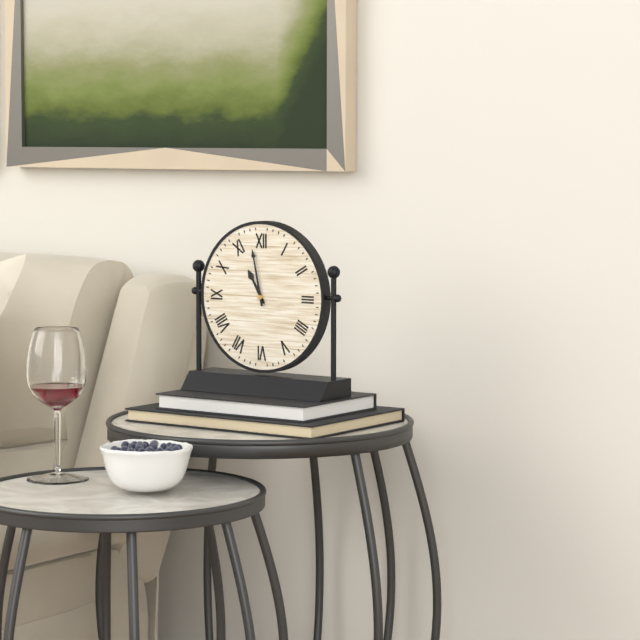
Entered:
10h58
